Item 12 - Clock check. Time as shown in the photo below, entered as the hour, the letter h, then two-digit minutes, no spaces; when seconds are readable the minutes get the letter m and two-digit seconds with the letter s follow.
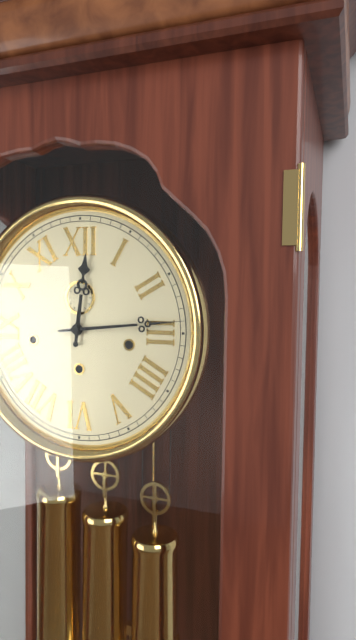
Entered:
12h14
